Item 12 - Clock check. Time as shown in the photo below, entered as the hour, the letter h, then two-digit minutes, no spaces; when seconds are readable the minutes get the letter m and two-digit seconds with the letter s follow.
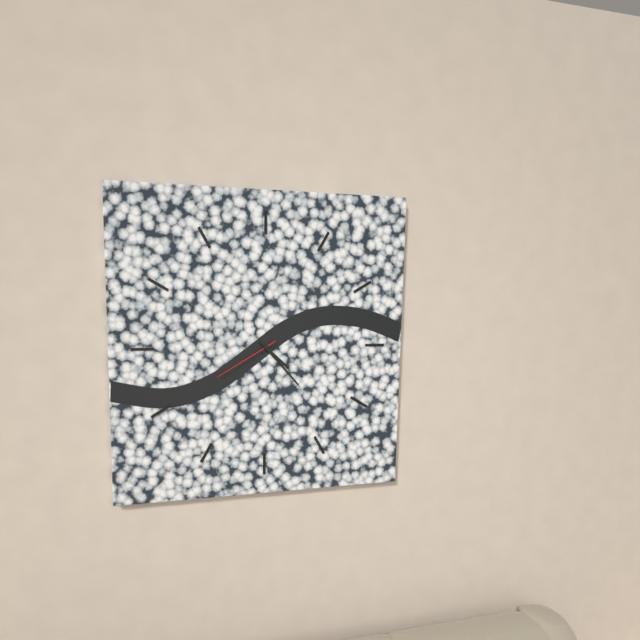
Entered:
4h23m40s
